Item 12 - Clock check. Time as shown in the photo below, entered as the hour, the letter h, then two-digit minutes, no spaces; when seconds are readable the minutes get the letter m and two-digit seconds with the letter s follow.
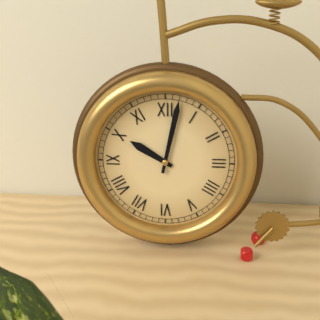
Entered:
10h02
